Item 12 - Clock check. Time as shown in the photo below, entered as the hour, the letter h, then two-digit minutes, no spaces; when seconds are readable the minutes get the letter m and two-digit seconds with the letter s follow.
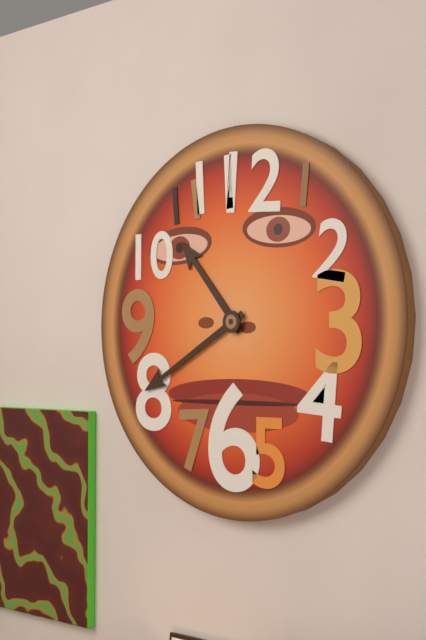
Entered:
10h40
